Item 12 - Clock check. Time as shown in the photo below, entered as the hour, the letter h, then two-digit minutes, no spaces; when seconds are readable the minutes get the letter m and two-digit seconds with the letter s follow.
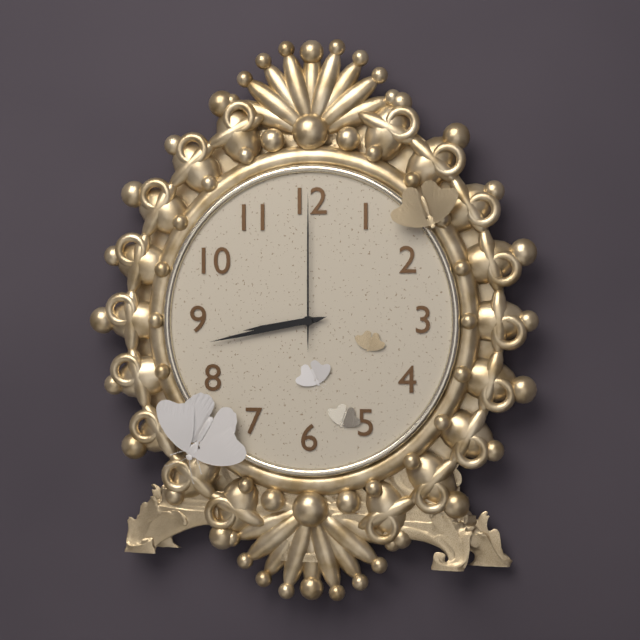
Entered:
8h43m00s
